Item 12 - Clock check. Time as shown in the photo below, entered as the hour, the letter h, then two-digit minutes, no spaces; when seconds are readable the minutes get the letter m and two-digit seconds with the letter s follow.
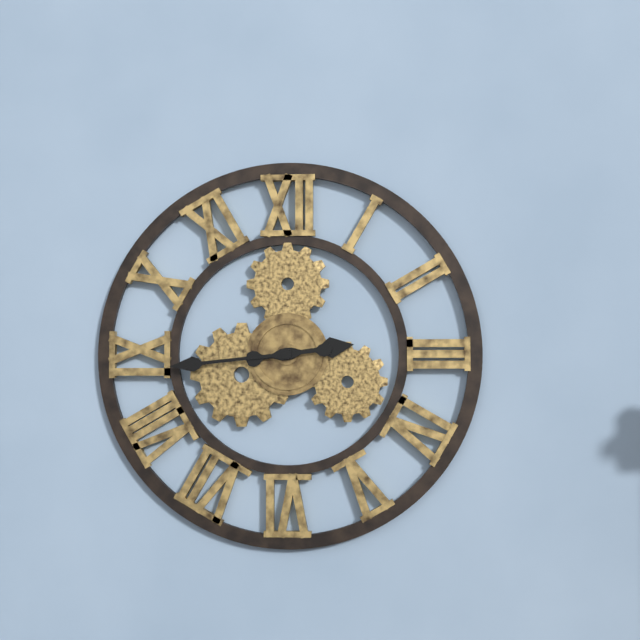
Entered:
2h44
